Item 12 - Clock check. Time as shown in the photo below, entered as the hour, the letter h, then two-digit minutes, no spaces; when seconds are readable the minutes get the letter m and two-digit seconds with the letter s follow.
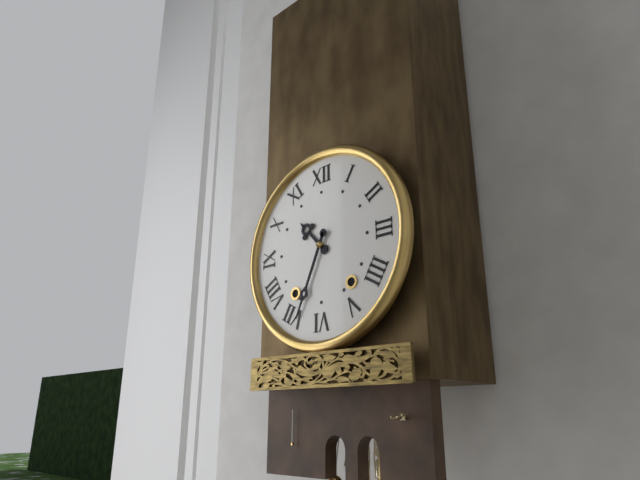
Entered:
10h34
